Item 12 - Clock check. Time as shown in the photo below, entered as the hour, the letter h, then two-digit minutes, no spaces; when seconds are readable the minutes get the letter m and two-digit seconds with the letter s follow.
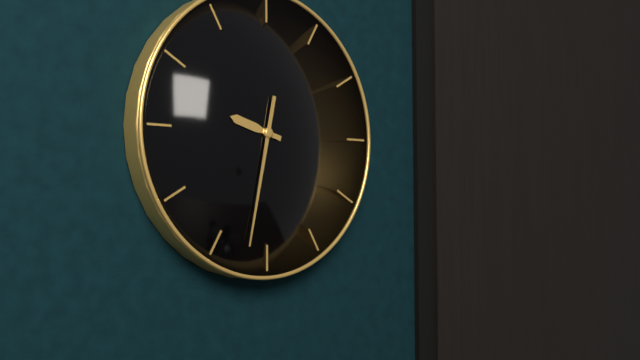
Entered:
9h32
